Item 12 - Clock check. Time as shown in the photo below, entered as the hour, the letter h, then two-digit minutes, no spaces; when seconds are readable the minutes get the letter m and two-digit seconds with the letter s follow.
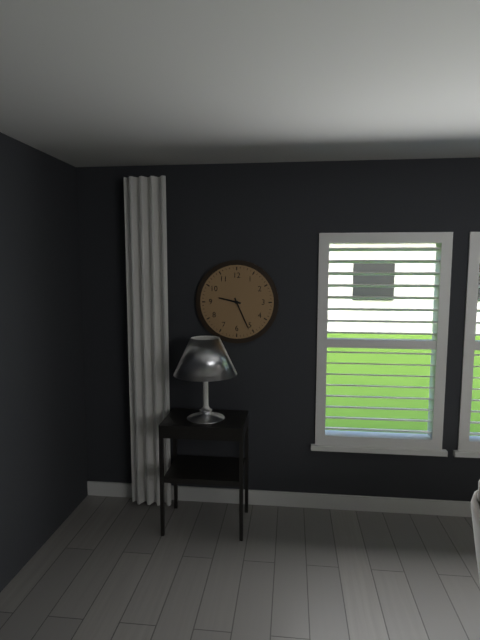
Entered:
9h26
